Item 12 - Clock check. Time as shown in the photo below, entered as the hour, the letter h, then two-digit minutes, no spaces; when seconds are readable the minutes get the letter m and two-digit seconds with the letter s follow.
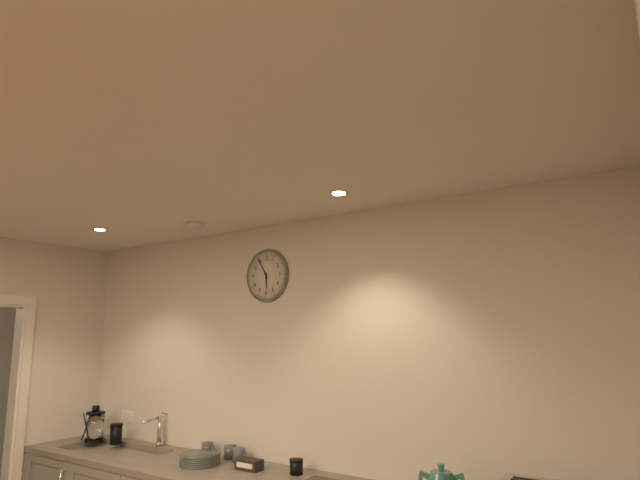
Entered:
5h55
